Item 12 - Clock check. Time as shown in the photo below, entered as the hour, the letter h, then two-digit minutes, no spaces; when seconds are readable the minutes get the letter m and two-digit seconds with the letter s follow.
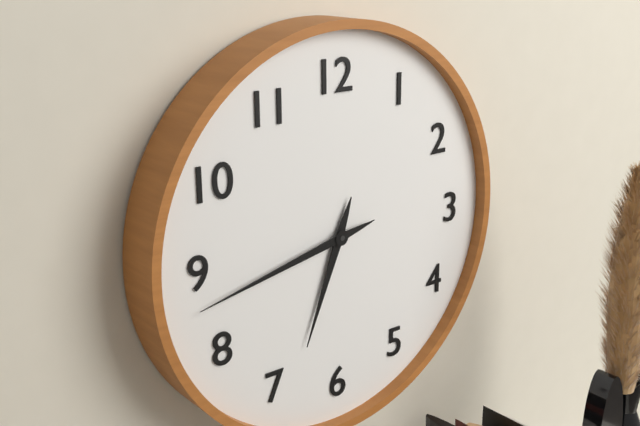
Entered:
6h43
